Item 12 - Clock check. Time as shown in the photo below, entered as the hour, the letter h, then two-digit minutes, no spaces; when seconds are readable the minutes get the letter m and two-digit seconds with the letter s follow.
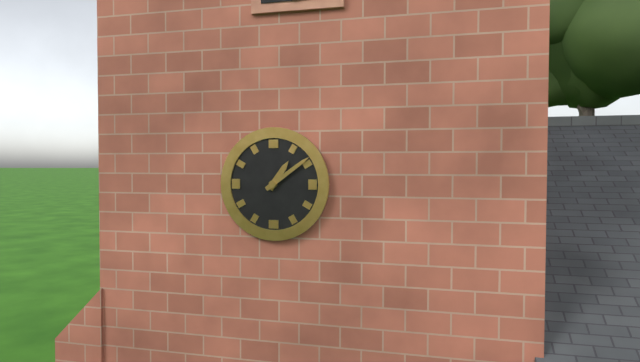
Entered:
1h09
